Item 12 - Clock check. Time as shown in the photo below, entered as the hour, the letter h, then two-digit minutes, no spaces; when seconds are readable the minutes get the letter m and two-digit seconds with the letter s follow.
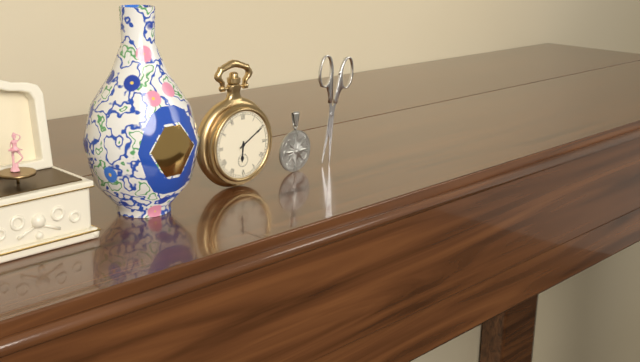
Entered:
6h10
